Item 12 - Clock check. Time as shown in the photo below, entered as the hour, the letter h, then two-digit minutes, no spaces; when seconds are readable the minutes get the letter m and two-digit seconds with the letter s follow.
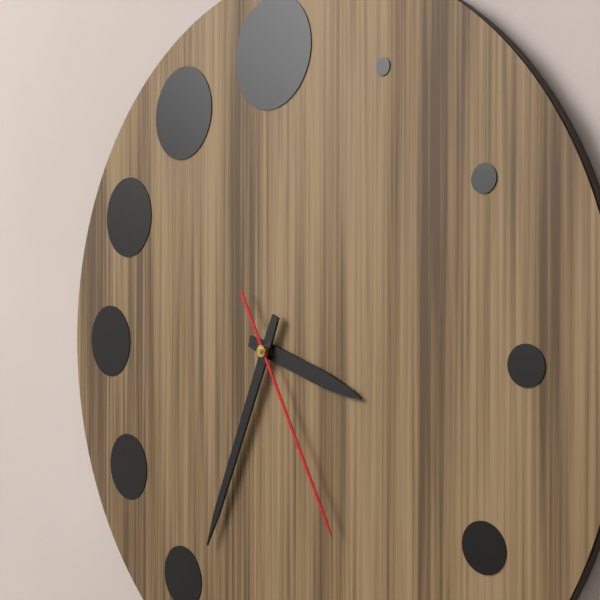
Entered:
3h34m25s
